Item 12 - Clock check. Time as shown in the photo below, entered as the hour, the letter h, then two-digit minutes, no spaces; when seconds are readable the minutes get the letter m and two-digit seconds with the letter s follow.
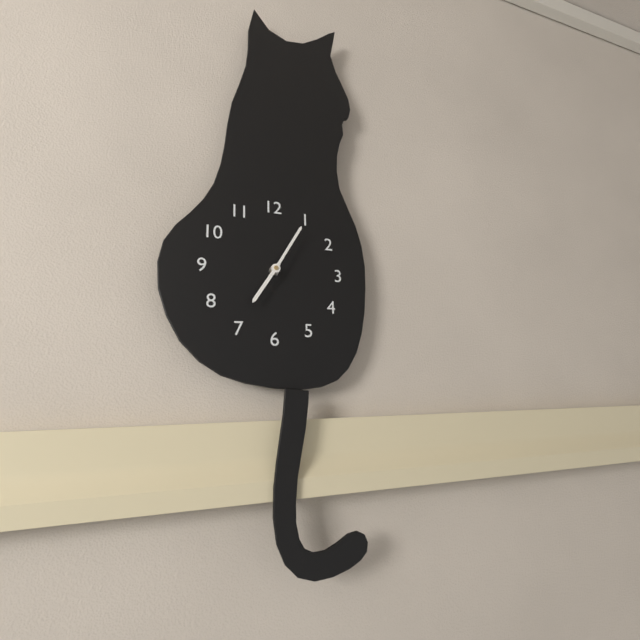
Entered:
7h05
